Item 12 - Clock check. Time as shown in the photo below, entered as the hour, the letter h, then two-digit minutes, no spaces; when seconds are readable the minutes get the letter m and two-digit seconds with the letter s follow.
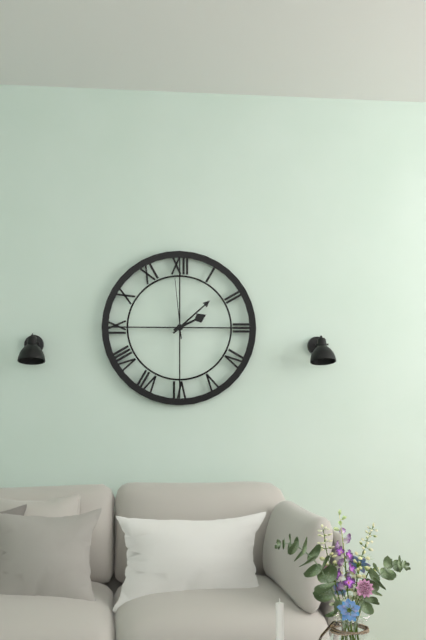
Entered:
2h08m59s
